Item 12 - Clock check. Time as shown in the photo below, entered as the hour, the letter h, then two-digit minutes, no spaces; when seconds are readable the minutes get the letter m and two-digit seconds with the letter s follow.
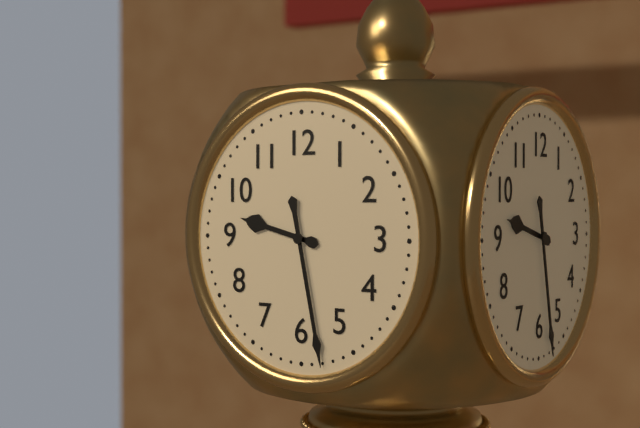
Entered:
9h28
